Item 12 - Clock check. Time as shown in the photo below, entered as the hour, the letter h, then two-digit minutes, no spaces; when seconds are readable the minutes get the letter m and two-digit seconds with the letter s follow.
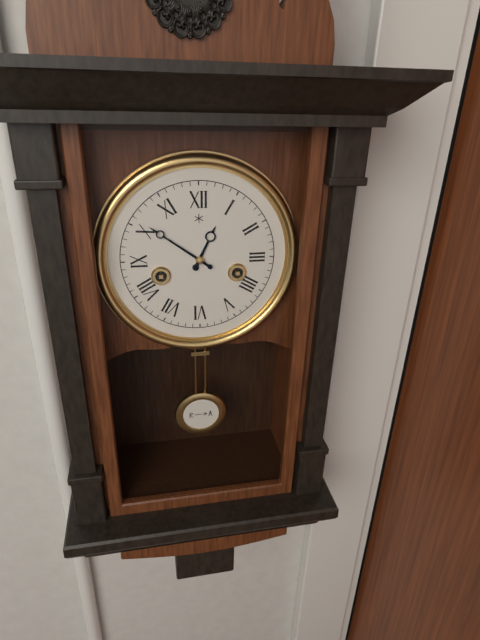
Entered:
12h51
